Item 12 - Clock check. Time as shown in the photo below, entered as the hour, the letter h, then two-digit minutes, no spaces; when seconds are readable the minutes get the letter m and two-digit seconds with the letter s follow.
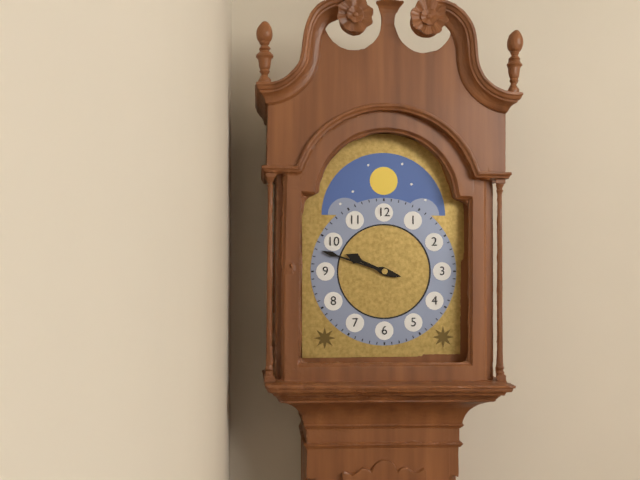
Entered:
9h48
